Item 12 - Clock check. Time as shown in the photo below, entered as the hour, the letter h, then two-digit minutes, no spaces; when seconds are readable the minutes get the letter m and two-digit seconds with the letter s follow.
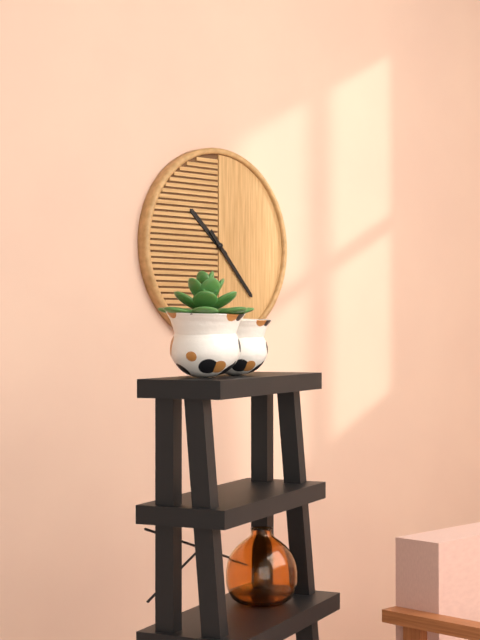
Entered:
10h23
